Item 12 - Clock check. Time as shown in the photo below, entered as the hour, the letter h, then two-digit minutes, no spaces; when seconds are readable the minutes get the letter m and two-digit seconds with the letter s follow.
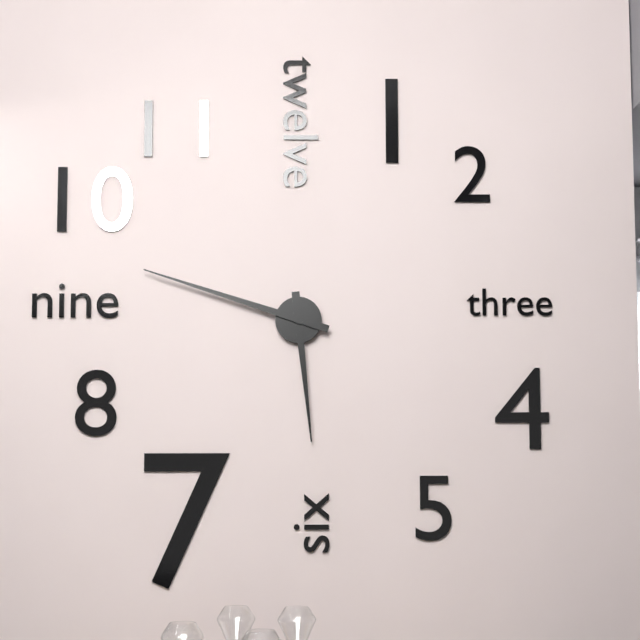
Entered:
5h48
